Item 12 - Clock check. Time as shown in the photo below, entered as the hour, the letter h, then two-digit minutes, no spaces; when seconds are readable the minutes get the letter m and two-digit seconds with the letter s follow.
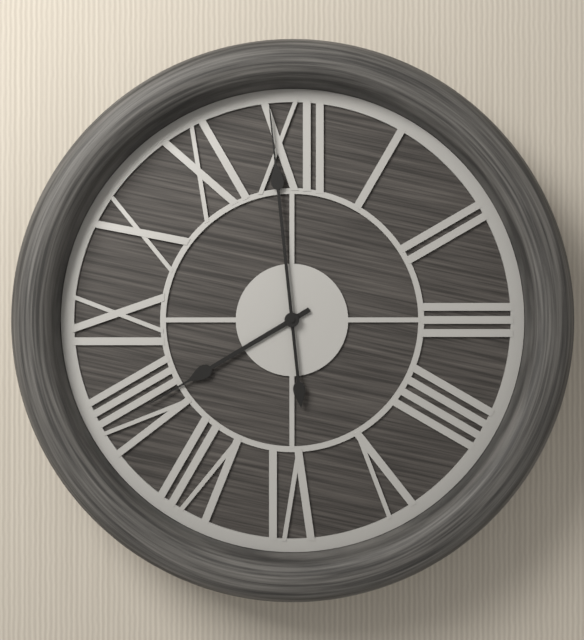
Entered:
7h59
